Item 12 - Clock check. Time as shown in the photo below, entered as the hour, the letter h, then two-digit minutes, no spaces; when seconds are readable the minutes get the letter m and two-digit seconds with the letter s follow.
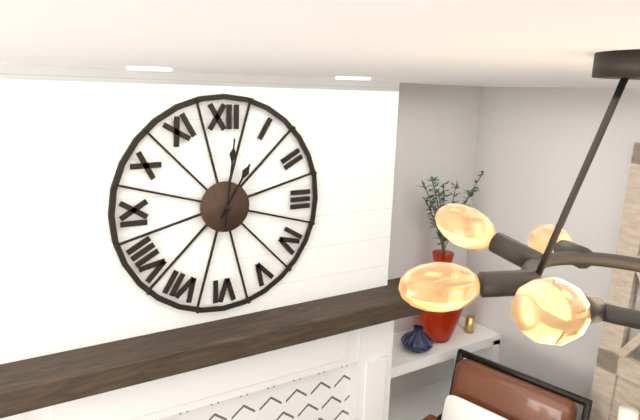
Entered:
1h01
